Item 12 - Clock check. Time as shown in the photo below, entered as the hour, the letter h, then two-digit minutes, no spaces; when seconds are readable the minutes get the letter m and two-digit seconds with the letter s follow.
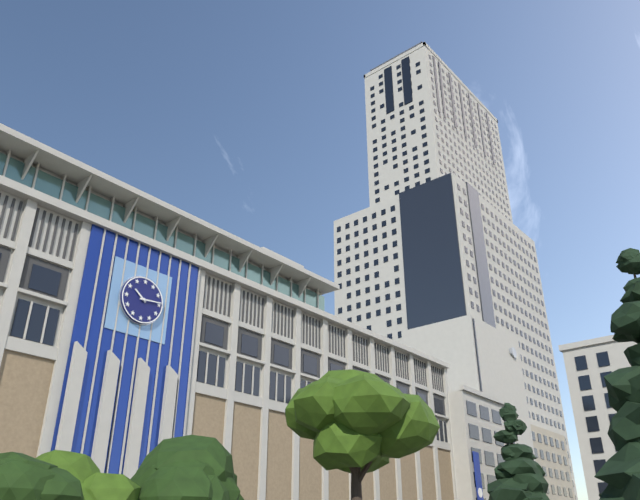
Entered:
10h14
